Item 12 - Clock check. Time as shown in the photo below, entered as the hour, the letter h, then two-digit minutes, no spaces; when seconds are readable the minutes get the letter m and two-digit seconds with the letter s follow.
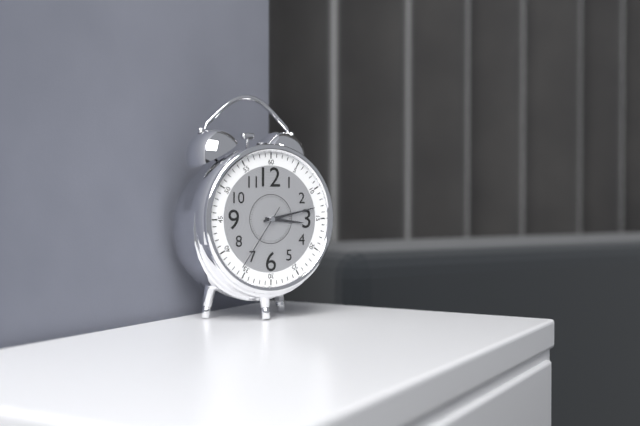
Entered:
3h13m36s
